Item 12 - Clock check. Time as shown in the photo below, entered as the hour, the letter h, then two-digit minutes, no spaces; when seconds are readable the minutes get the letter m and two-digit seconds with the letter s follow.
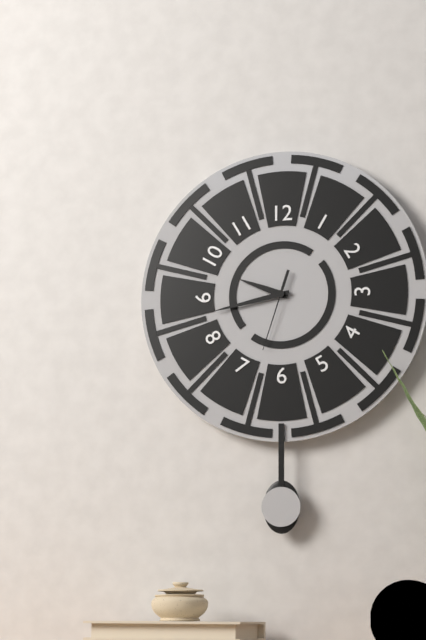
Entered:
9h43m33s
